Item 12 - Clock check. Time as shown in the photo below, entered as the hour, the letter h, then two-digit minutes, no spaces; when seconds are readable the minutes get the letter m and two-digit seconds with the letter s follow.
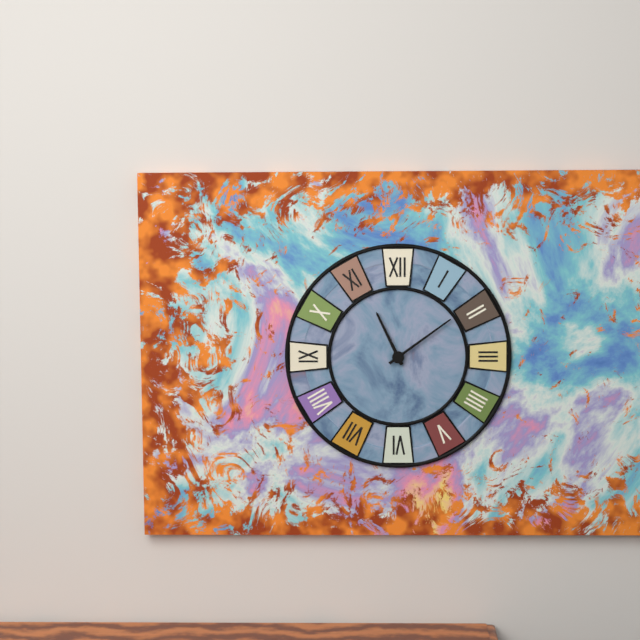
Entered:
11h09
